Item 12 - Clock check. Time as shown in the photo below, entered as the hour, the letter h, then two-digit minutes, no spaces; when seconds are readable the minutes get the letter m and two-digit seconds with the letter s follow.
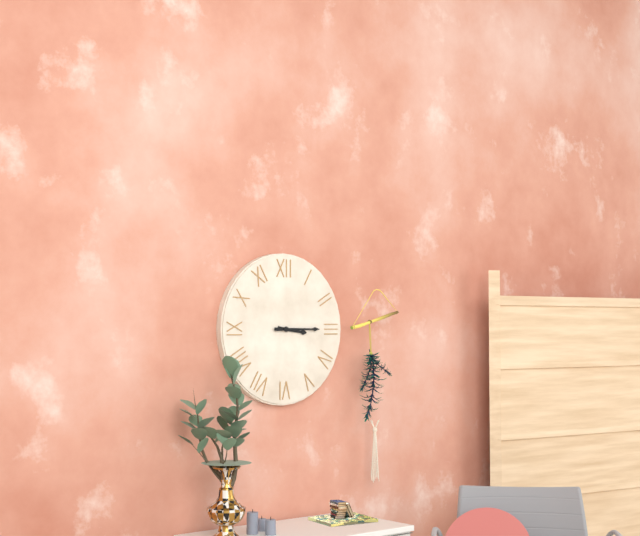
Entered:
3h15
